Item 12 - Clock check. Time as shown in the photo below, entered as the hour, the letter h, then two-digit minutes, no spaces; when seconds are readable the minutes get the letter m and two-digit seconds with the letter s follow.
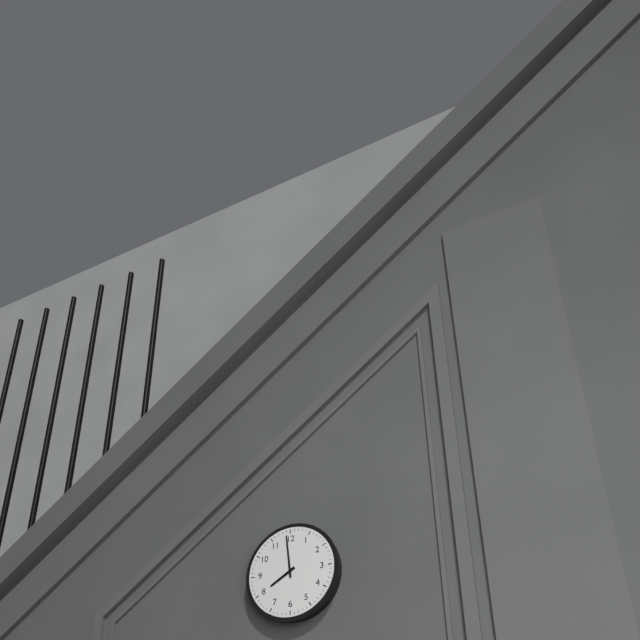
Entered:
7h59
